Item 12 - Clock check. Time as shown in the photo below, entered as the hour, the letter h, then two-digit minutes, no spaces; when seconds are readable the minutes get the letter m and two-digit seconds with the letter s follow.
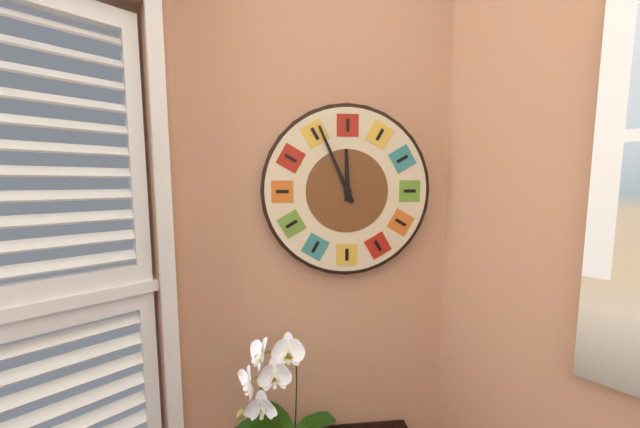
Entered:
11h56
